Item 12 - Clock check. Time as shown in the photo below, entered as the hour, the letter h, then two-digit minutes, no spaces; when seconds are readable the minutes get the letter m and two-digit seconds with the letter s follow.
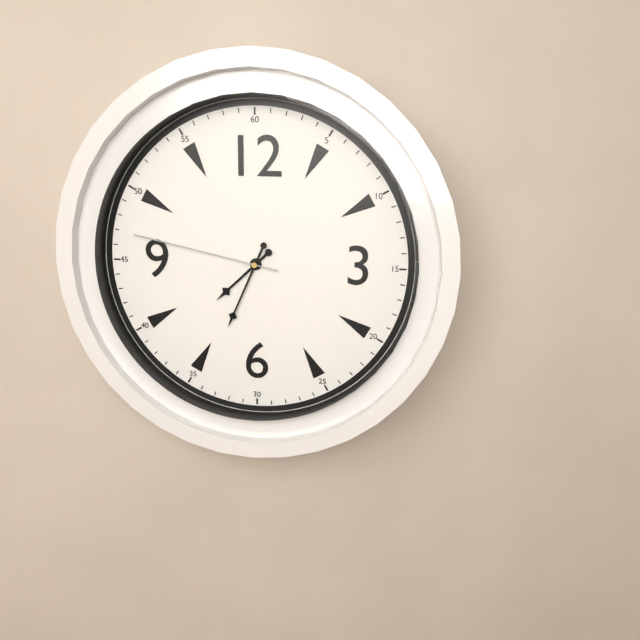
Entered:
7h34m47s
